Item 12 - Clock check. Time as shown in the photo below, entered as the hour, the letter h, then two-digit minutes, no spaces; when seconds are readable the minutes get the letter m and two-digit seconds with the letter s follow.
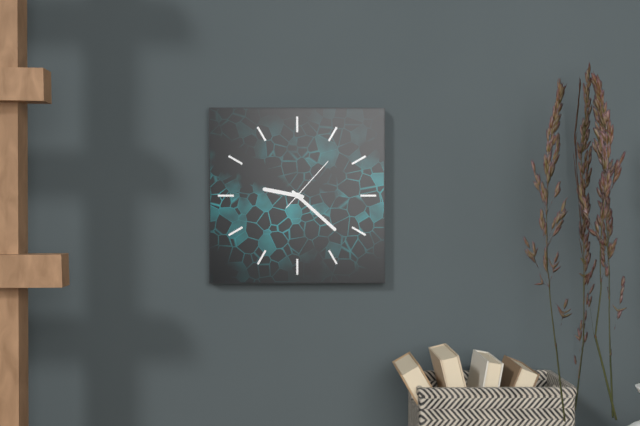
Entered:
9h22m07s
